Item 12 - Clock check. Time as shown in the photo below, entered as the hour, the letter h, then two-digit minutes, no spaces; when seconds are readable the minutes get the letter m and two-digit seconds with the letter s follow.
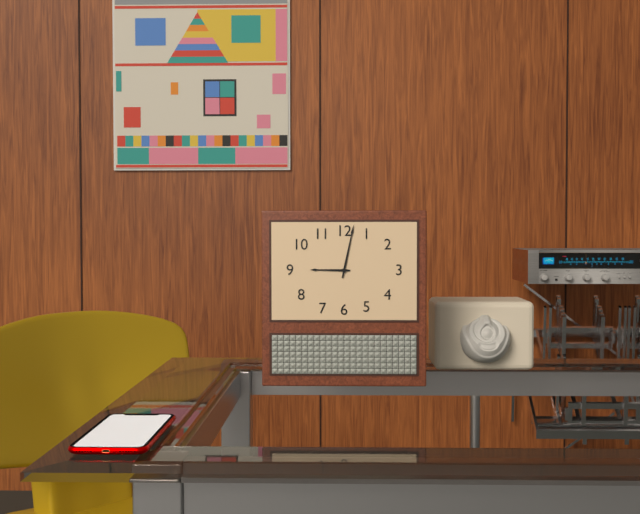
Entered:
9h02
